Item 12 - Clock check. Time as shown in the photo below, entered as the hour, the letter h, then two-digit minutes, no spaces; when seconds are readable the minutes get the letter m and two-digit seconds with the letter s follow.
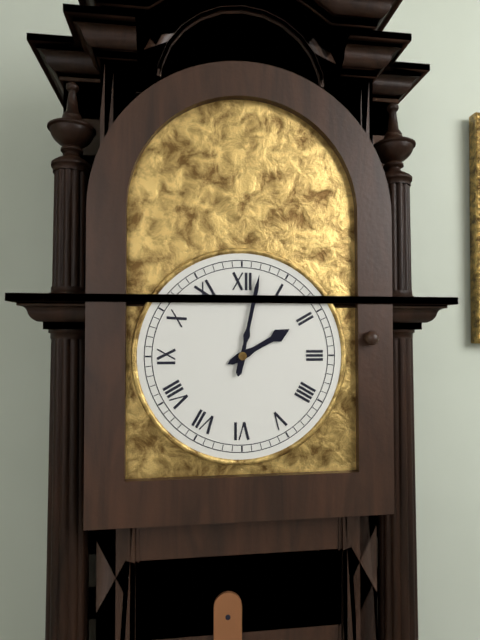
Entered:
2h02
